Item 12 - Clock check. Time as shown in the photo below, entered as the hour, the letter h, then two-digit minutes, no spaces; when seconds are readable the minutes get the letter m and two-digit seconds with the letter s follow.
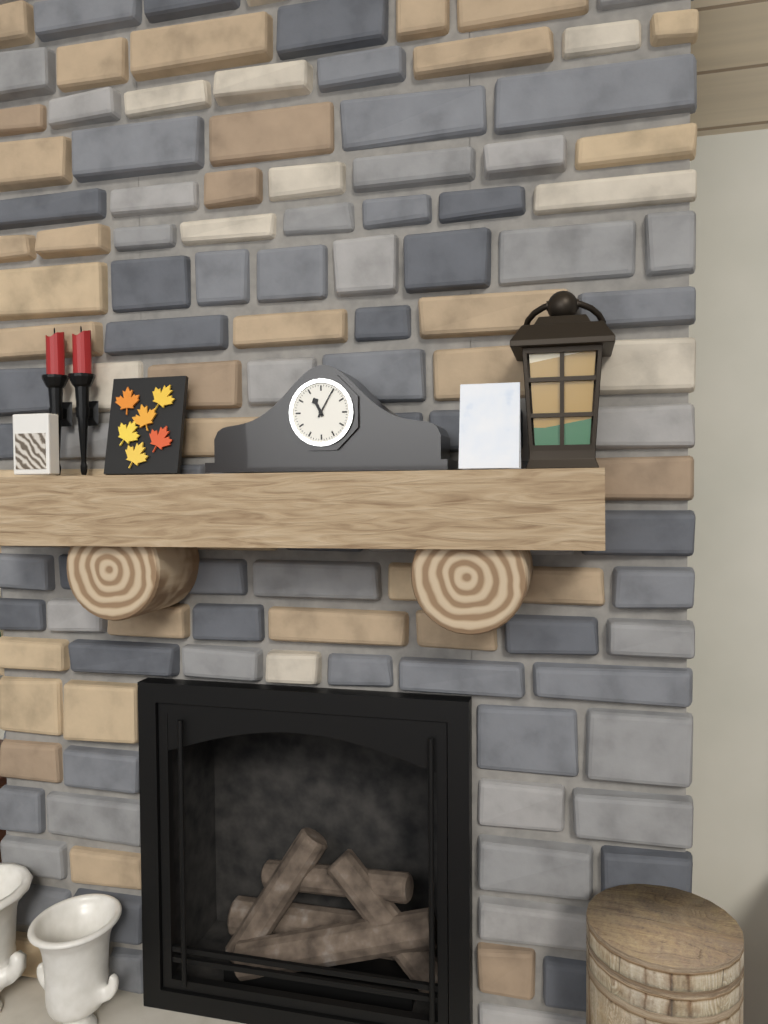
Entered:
11h05
